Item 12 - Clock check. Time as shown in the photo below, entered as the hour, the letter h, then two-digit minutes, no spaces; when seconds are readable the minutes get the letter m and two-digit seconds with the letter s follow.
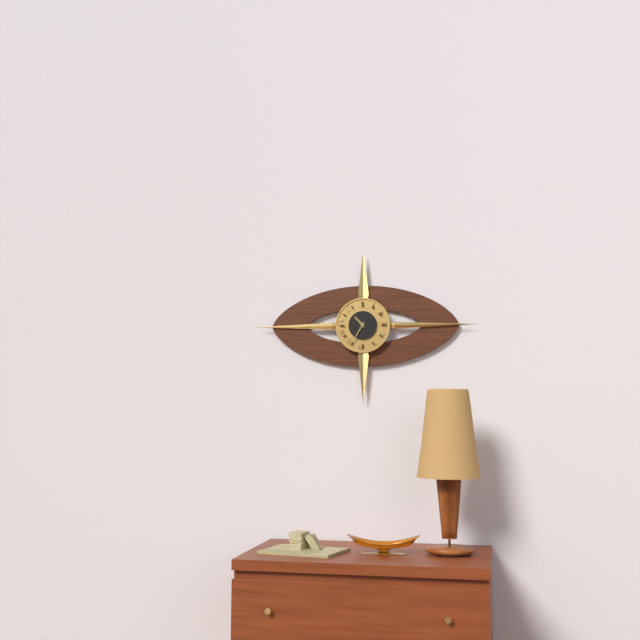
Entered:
10h35
